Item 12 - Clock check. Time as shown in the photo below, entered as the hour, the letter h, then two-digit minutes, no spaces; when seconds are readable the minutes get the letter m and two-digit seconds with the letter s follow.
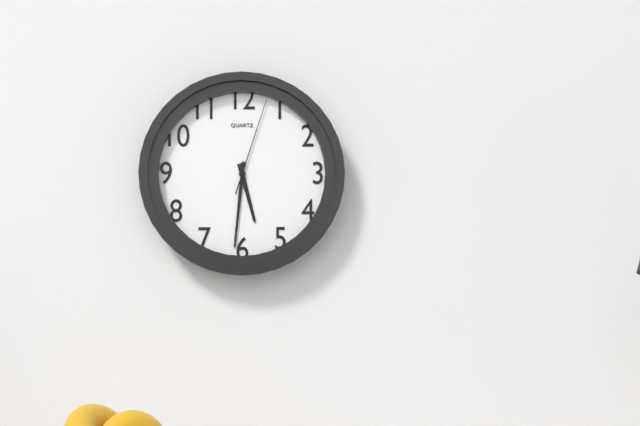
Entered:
5h31m03s
